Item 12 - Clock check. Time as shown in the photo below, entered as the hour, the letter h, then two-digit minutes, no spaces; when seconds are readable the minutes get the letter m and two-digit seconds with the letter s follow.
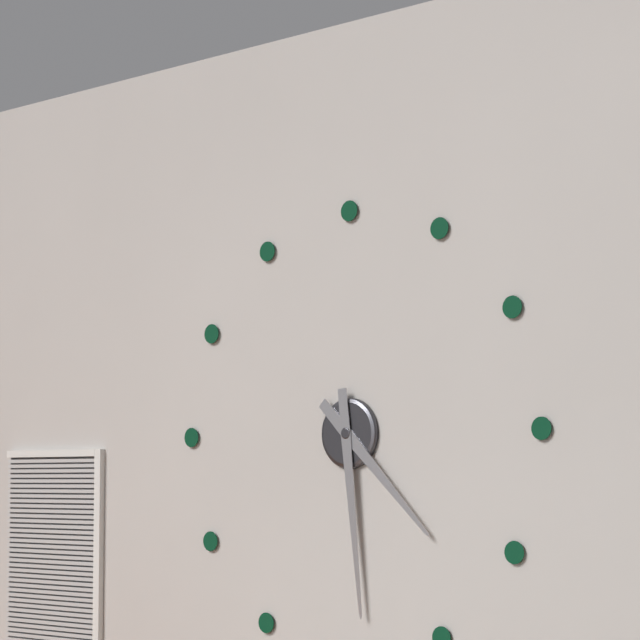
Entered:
4h29
